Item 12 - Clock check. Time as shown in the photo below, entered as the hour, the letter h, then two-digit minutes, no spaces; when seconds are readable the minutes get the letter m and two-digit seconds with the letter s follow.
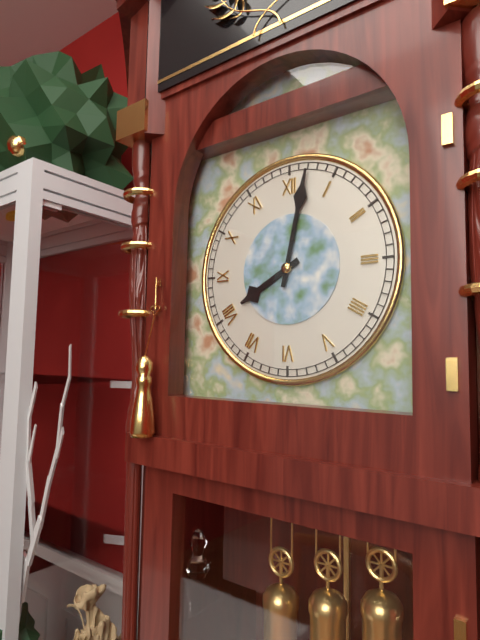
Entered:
8h02
